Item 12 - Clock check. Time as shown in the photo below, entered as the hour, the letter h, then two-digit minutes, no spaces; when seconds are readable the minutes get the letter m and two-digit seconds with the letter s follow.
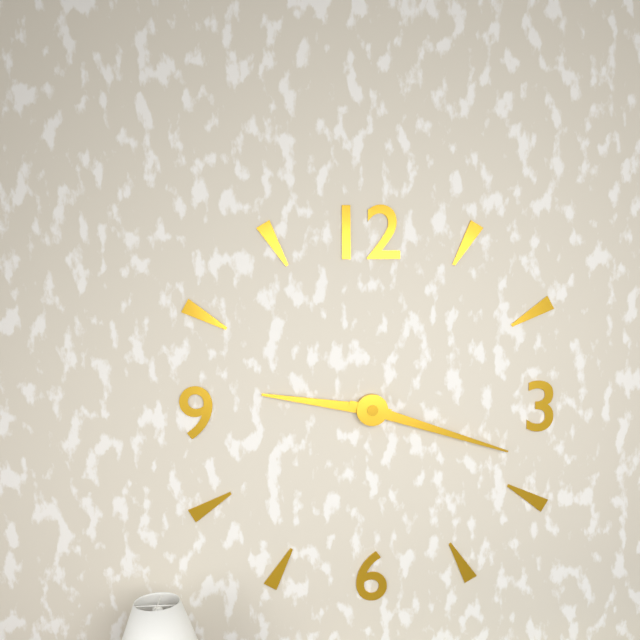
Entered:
9h18
